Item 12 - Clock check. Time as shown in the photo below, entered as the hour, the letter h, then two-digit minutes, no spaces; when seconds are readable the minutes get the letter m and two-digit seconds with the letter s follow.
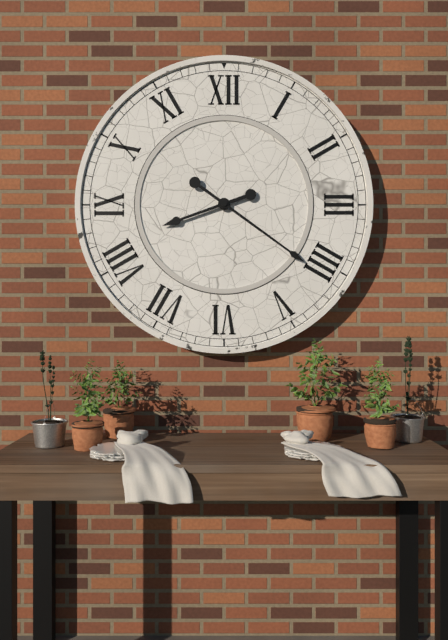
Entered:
8h21
